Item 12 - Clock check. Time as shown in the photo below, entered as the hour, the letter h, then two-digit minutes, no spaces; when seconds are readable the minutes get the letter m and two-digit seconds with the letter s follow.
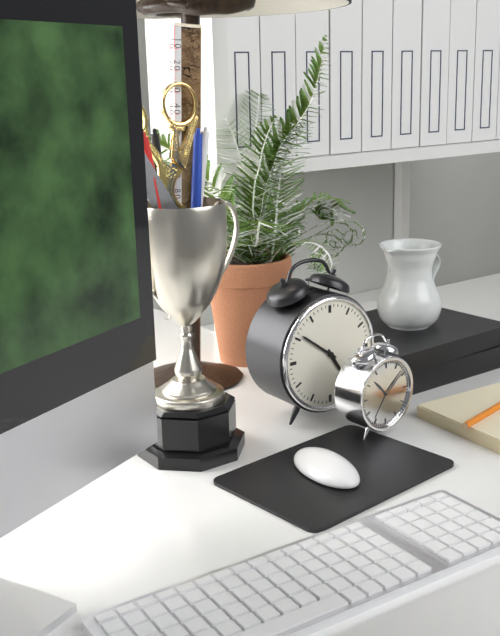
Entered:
4h51
